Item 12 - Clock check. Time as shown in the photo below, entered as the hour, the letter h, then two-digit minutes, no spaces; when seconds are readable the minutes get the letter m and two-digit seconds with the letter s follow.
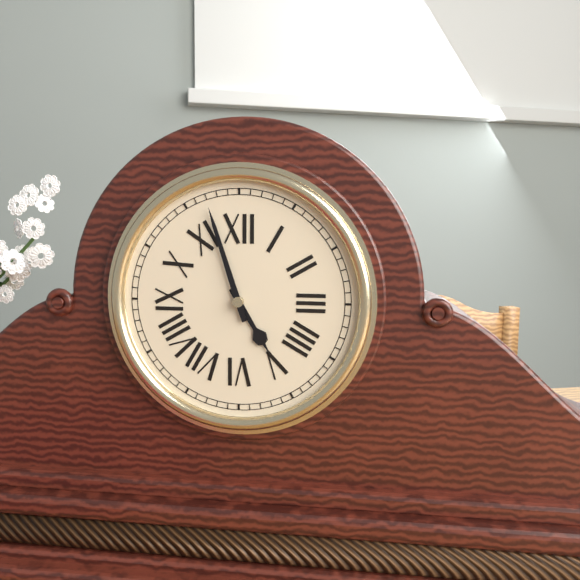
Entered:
4h57
